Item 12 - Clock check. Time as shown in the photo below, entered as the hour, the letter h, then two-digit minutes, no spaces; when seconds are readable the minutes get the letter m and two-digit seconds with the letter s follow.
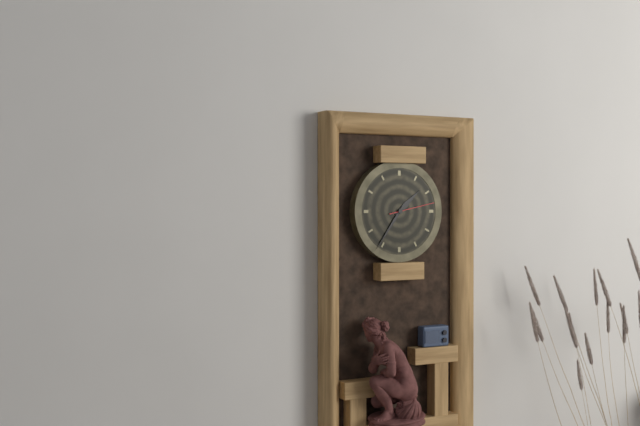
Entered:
1h36
